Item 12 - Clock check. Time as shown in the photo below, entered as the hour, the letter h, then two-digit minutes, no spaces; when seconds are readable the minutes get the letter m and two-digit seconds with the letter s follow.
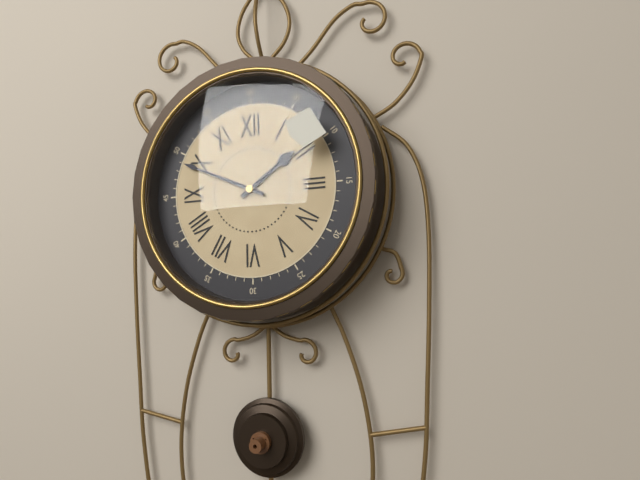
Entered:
1h49
